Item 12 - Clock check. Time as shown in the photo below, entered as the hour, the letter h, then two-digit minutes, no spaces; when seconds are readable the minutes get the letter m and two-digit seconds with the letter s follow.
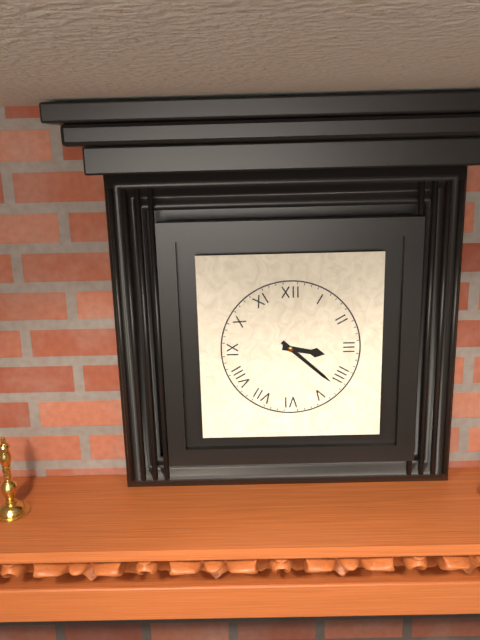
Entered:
3h22
